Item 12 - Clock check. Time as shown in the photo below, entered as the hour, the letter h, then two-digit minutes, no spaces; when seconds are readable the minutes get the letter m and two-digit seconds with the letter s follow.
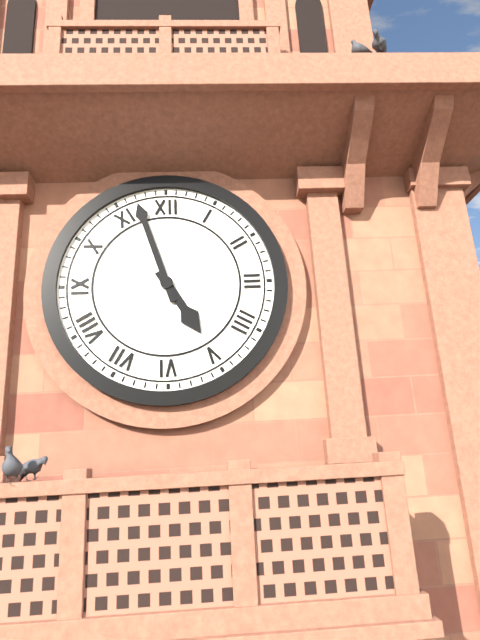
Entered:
4h57
